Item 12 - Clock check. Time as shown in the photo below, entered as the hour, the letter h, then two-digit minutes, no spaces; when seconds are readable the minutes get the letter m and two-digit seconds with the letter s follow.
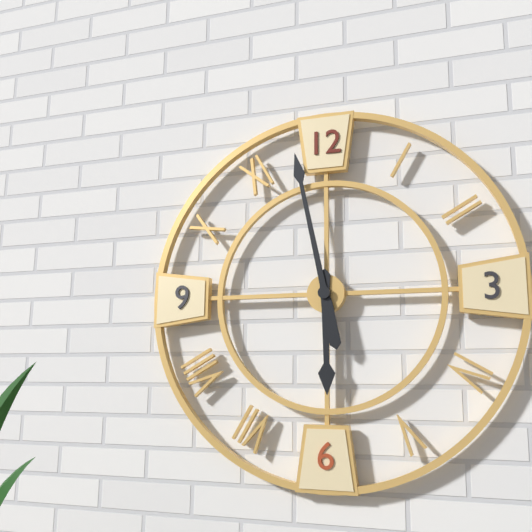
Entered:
5h58
